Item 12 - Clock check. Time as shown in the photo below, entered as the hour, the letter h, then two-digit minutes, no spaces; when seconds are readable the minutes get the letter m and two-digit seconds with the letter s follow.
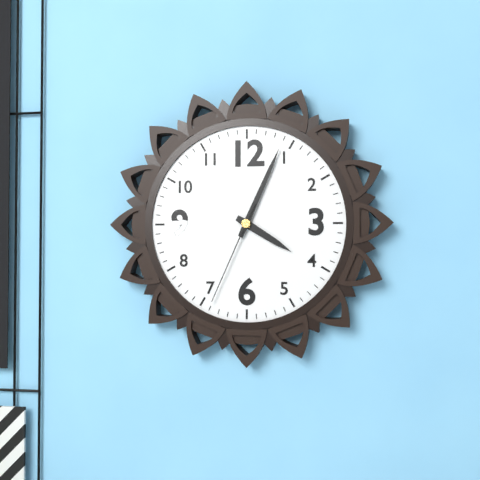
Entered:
4h04m34s
